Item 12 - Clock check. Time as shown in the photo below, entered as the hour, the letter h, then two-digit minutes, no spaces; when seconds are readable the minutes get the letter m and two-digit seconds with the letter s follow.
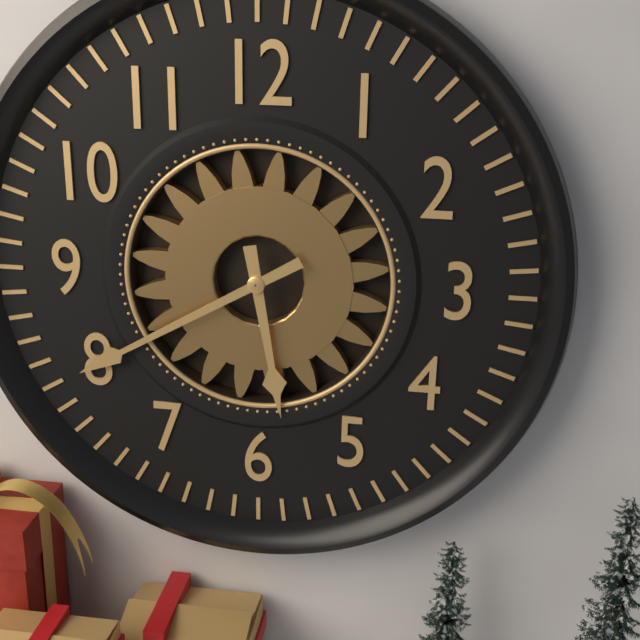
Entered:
5h40
